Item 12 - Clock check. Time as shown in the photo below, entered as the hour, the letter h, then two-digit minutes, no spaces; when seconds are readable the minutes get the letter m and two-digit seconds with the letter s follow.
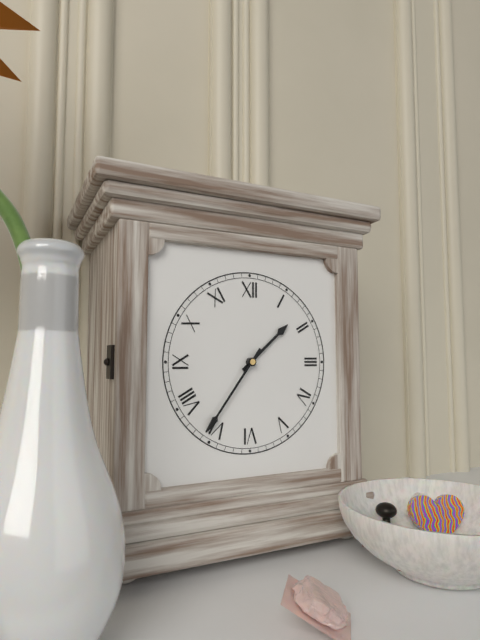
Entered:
1h36
